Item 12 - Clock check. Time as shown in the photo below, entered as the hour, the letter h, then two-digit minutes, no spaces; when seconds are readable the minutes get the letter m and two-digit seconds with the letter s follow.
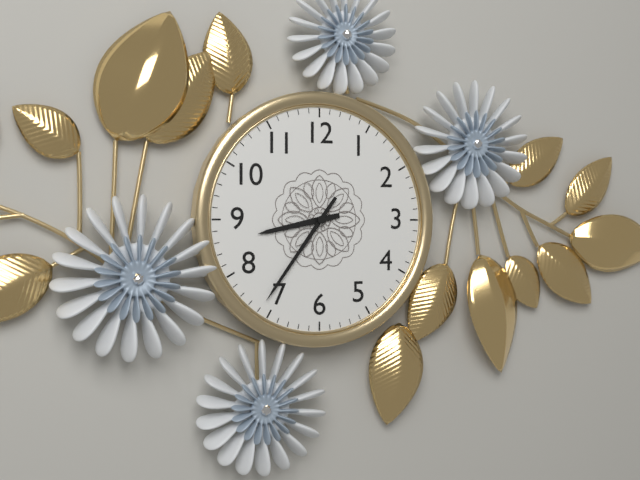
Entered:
8h36
